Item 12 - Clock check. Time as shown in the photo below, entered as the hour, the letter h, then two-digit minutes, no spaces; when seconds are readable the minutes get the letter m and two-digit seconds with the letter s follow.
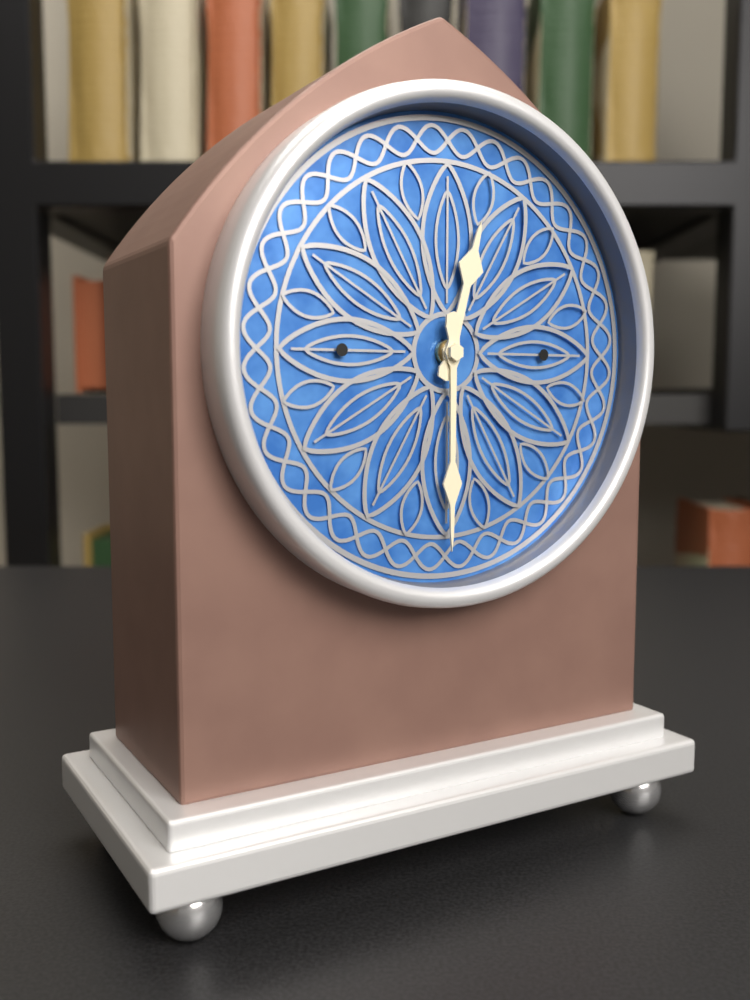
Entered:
12h30
